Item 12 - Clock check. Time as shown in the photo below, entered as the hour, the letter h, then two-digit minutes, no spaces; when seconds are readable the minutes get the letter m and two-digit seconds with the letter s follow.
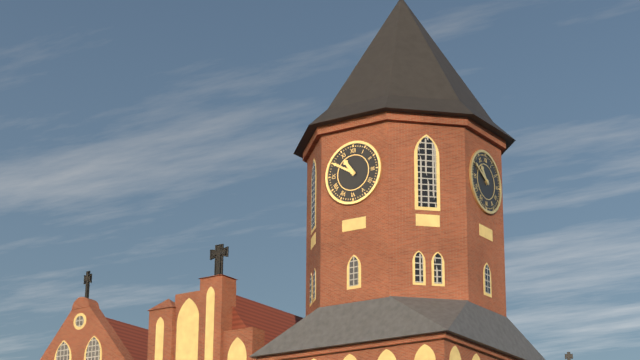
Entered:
10h50
